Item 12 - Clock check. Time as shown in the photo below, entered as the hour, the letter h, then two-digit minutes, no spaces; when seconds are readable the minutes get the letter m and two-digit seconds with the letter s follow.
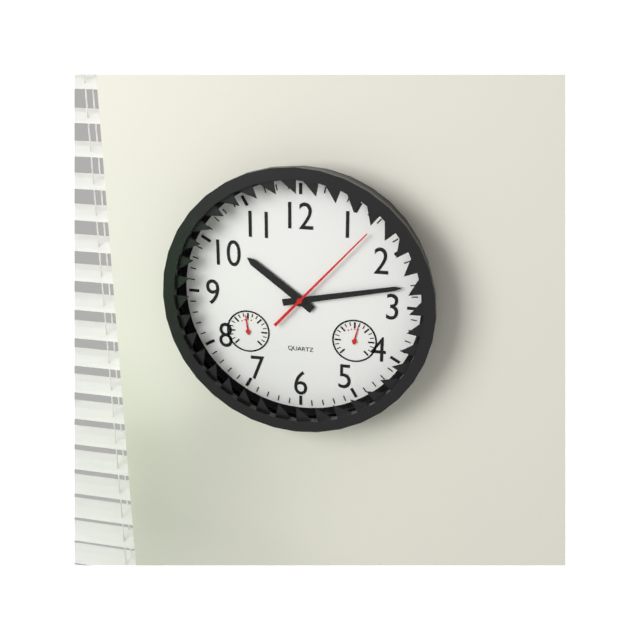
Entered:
10h13m07s
